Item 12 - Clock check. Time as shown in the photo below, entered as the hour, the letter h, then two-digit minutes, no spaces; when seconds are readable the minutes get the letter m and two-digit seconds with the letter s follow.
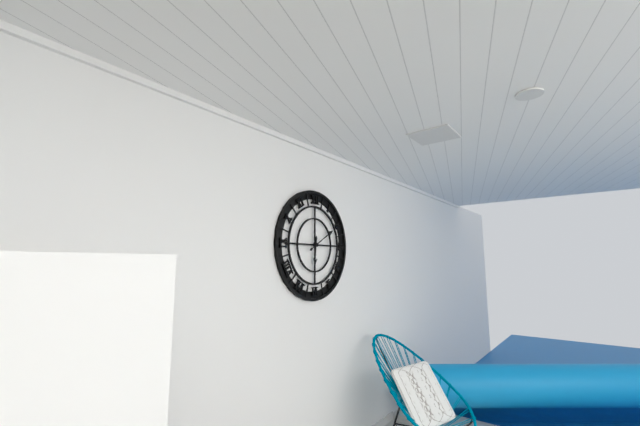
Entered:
6h10
